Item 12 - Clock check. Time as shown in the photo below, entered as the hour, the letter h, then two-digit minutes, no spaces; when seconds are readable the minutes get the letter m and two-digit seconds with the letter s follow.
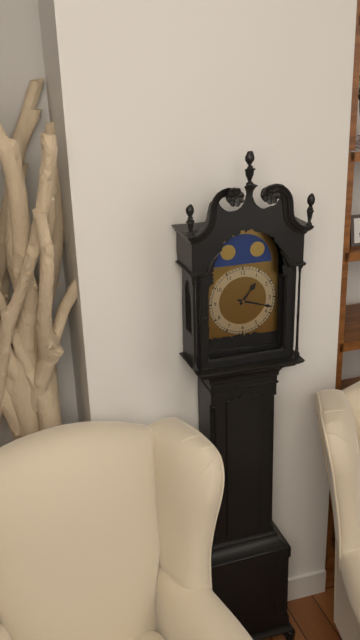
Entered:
1h18
